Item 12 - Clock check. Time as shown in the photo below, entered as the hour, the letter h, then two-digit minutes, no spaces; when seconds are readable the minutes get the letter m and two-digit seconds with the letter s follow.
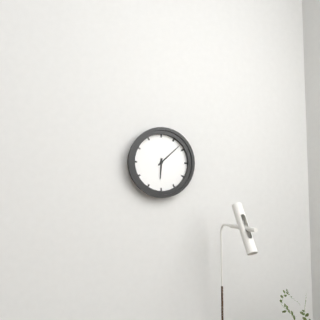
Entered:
6h08
